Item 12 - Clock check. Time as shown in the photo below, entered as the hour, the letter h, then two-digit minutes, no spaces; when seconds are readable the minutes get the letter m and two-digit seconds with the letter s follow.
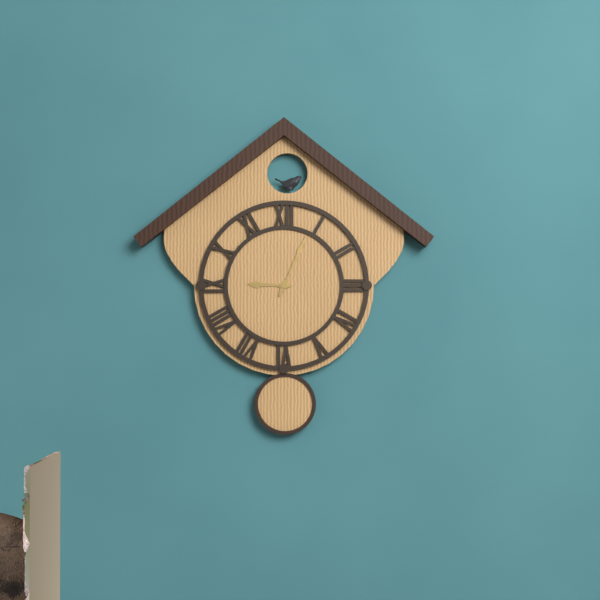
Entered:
9h04
